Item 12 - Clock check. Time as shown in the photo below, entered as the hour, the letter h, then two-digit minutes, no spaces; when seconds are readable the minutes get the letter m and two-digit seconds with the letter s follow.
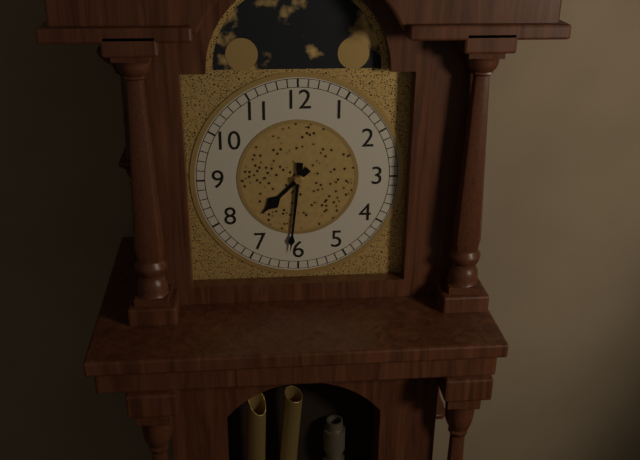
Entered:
7h31
